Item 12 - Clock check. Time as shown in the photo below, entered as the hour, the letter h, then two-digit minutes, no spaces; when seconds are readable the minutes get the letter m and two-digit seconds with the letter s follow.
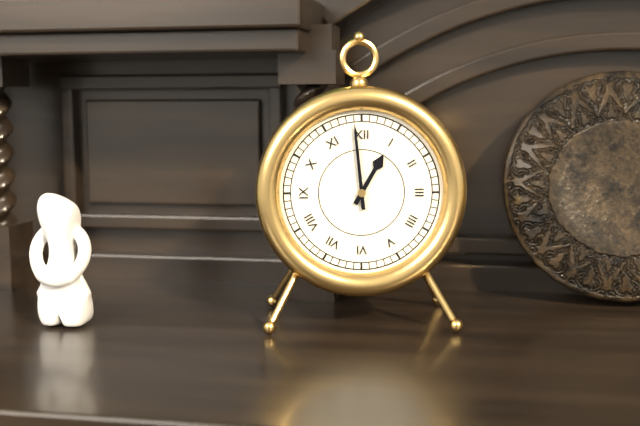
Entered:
12h59
